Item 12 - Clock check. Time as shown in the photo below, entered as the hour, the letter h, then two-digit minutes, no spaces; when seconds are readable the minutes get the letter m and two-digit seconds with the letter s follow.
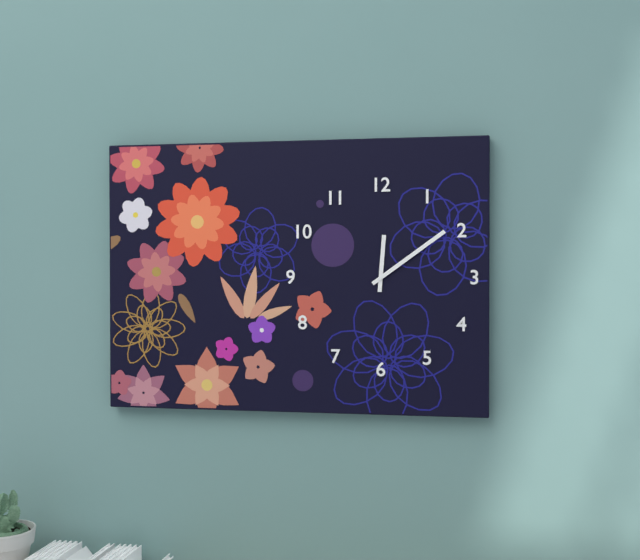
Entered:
12h09
